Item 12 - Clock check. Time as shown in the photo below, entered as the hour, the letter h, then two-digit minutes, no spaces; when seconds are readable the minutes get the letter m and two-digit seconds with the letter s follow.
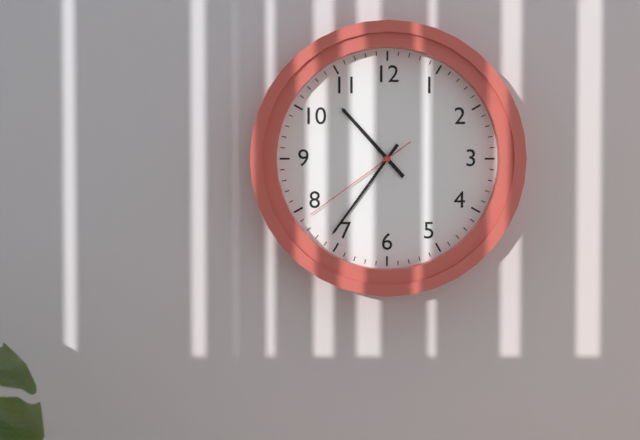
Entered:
10h36m39s
